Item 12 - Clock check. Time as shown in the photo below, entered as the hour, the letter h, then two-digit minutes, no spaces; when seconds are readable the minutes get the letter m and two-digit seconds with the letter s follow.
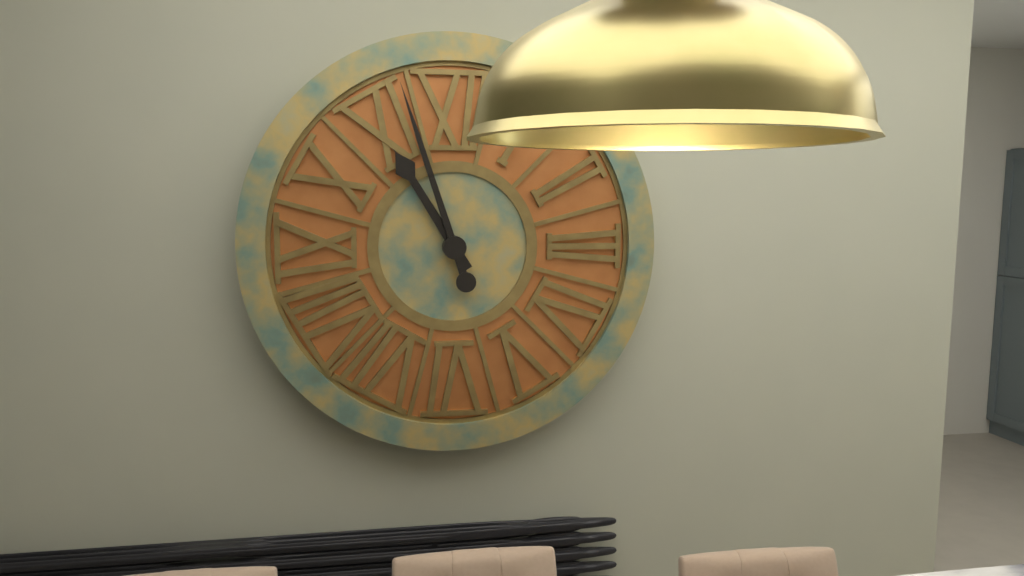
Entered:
10h57
